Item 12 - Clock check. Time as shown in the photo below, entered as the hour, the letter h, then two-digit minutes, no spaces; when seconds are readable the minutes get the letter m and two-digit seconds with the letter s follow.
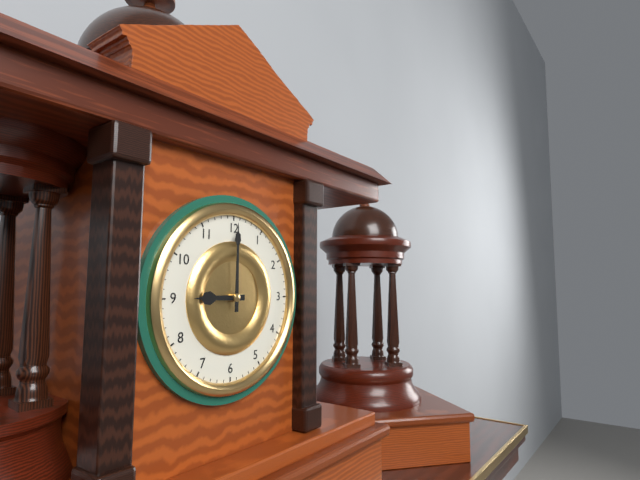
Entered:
9h00
